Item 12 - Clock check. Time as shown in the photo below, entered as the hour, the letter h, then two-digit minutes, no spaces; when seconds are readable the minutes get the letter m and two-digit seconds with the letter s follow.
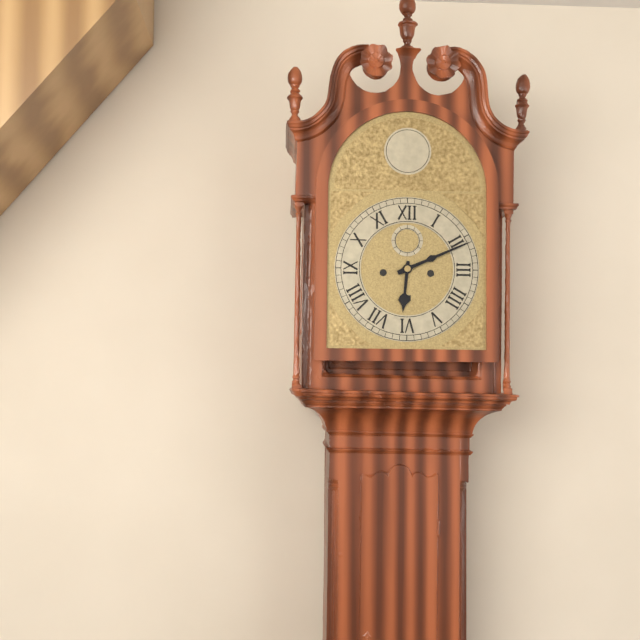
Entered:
6h11
